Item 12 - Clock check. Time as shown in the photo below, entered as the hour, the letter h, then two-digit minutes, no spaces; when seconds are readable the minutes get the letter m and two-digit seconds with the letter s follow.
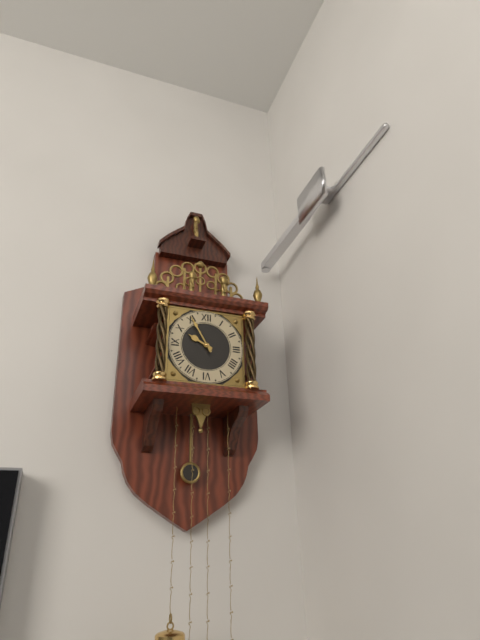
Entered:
9h55
